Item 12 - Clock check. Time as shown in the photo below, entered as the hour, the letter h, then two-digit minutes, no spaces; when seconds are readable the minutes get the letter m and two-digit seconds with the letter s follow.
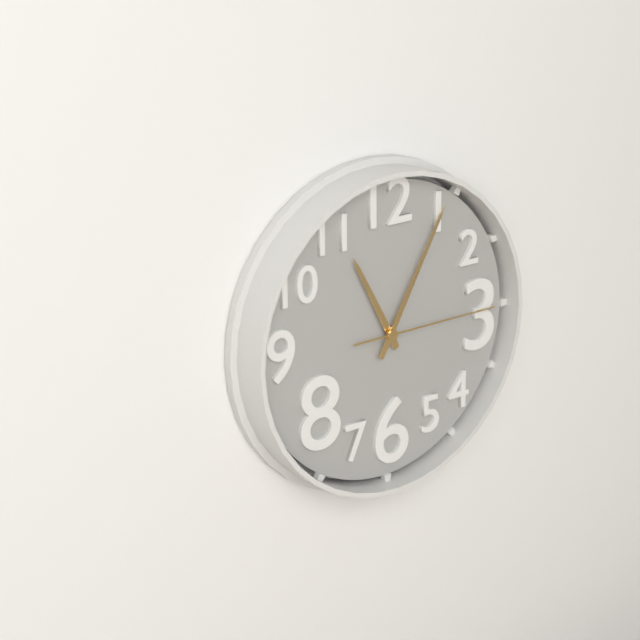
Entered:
11h05m15s
